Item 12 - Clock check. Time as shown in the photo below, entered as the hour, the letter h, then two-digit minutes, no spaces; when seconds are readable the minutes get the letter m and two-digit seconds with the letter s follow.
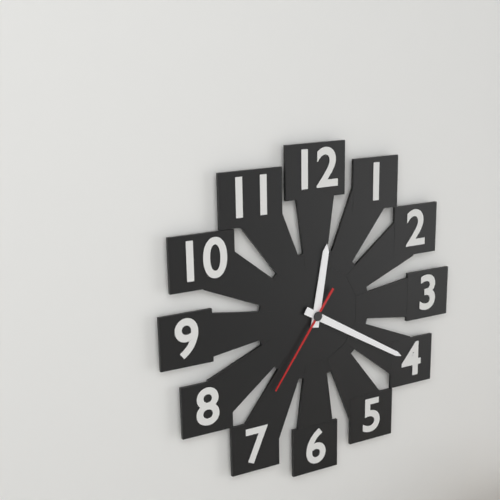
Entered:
12h20m36s
